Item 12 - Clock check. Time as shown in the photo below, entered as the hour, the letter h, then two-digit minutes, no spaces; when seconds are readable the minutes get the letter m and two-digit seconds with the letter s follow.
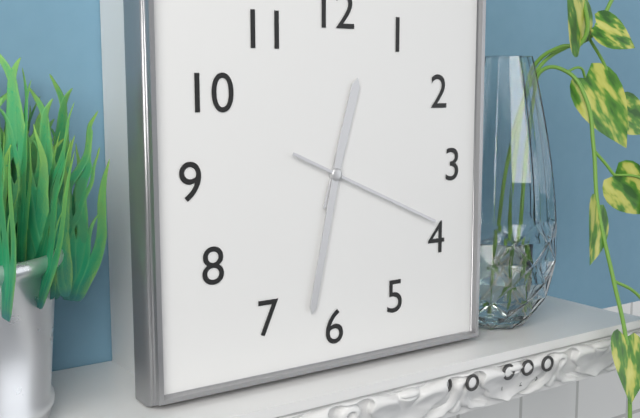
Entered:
12h32m19s
